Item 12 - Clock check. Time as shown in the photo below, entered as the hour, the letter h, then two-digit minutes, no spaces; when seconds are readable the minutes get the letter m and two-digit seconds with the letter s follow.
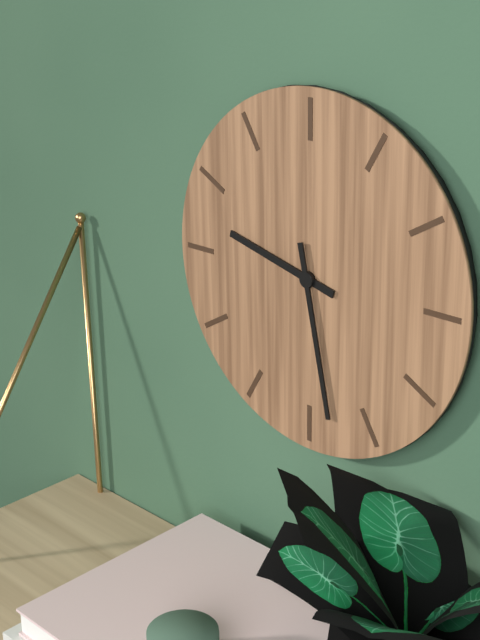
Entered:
9h28
